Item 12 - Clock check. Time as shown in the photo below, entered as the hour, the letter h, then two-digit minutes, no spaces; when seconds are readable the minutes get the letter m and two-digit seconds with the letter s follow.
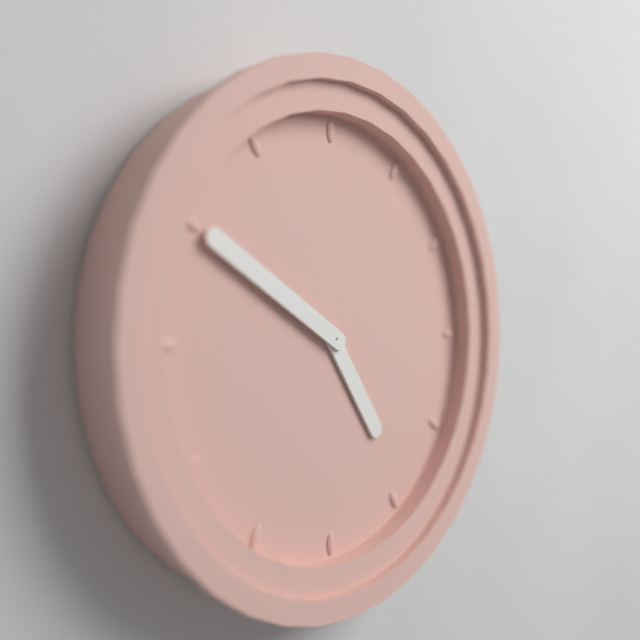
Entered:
4h50
